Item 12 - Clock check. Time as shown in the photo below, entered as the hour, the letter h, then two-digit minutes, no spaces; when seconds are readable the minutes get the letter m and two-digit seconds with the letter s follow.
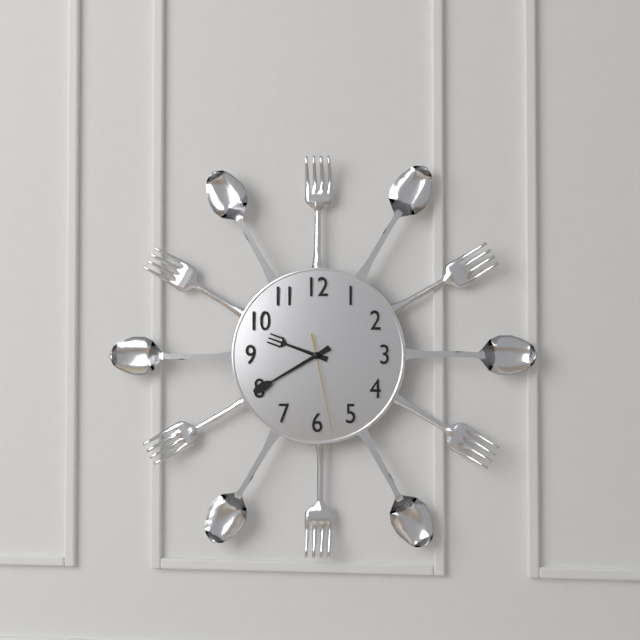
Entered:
9h40m28s
